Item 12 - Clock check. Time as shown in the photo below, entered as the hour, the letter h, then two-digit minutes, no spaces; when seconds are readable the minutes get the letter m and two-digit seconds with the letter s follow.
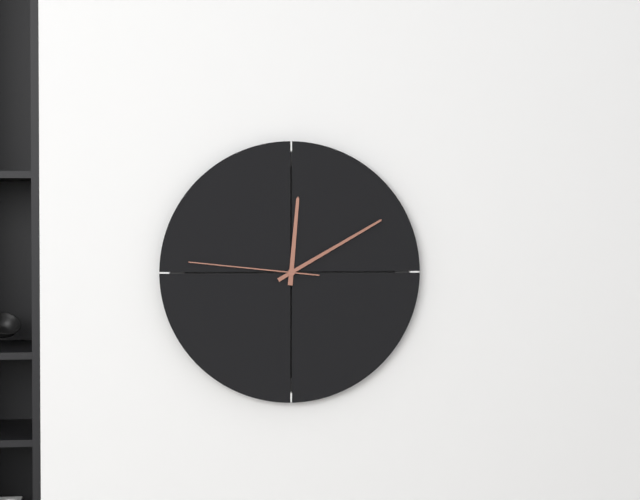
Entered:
12h10m46s
